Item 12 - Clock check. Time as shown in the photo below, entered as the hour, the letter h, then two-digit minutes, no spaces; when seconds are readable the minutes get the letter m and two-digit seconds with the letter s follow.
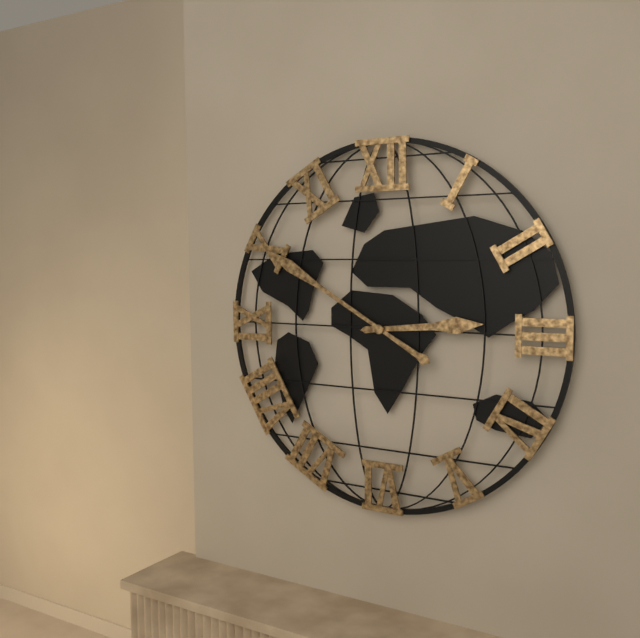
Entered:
2h50
